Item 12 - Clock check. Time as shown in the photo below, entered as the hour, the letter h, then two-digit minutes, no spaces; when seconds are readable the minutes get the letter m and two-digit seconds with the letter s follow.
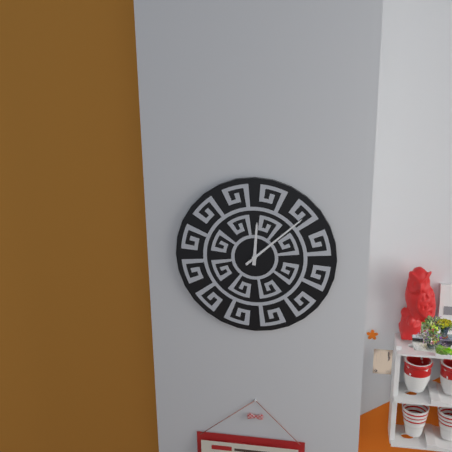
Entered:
12h08
